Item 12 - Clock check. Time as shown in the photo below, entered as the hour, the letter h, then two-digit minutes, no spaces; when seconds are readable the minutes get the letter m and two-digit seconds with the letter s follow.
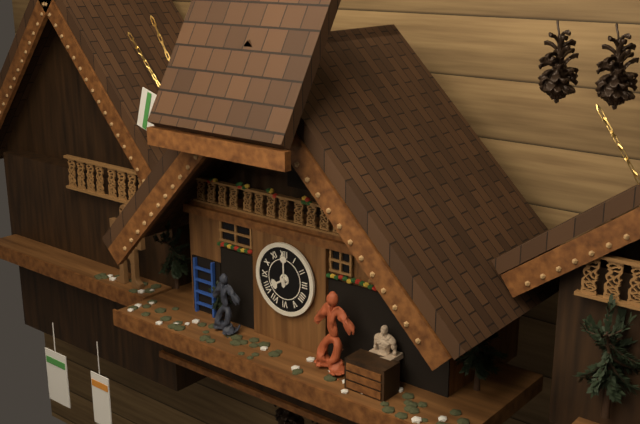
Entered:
8h00
